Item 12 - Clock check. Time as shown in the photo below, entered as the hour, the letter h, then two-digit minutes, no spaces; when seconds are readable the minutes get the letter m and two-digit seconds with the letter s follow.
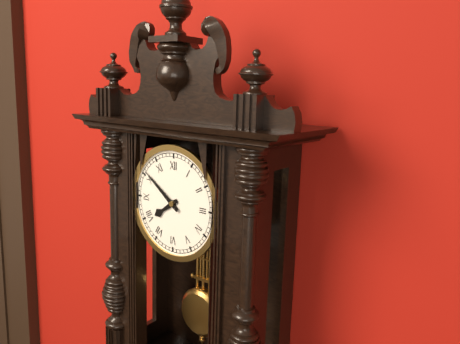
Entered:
7h51
